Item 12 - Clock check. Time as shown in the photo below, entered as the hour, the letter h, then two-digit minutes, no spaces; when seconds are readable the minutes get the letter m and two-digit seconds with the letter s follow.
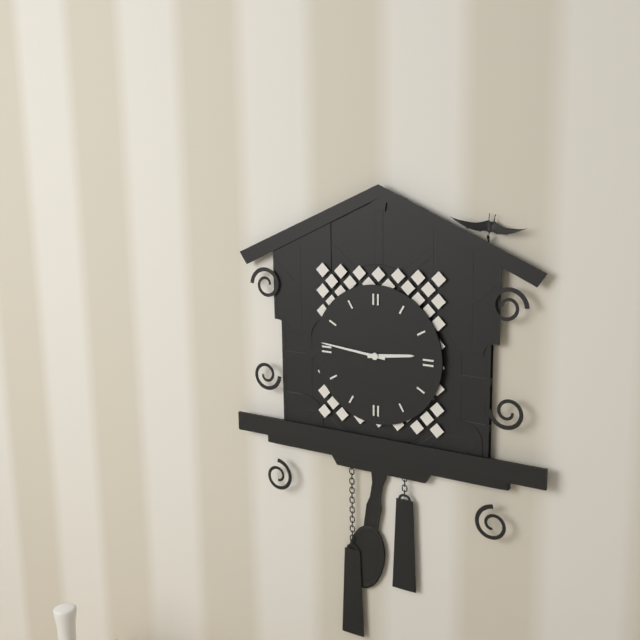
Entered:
2h46
